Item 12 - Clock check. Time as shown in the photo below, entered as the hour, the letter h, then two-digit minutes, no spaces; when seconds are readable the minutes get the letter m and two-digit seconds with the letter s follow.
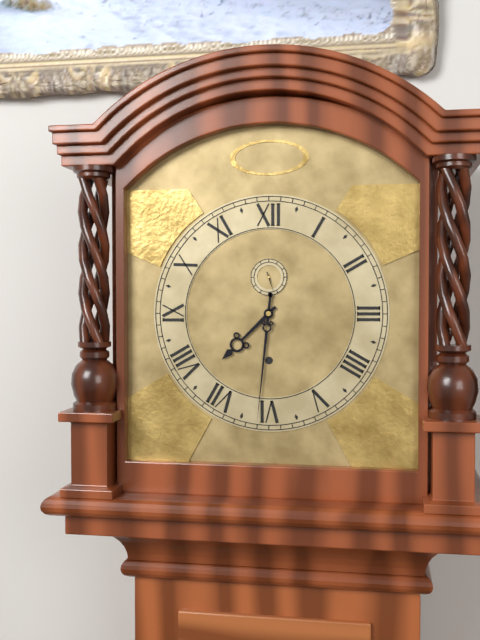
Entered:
7h31
